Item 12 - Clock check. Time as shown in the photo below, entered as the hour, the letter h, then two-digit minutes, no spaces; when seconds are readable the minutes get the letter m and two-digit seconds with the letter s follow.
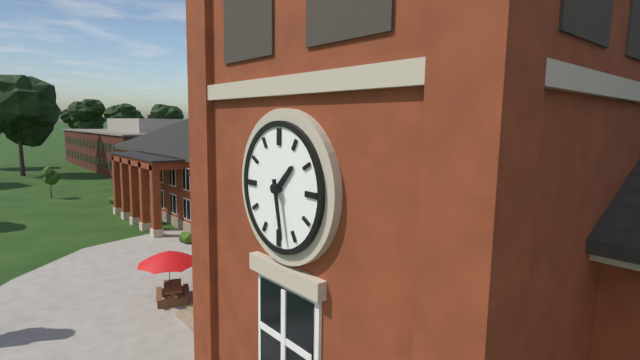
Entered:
1h28
